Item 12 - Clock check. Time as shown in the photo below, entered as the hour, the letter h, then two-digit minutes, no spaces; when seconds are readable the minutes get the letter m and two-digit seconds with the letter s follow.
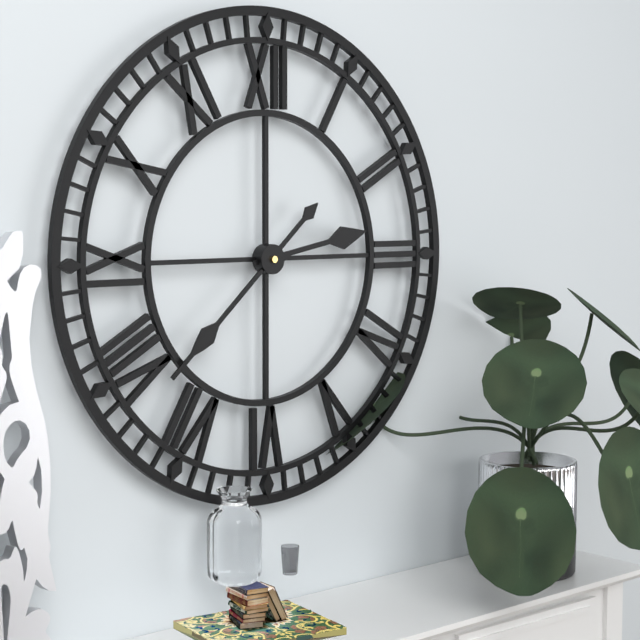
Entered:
2h38
